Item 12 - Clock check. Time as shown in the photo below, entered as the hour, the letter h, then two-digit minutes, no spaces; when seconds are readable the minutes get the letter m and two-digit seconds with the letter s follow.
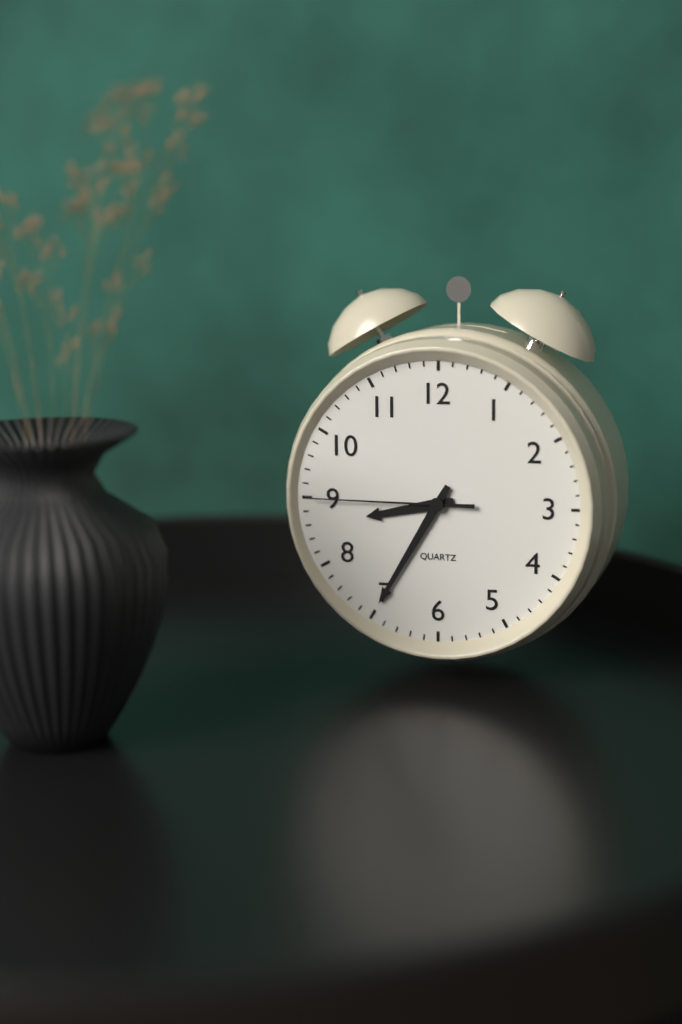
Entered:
8h35m45s
